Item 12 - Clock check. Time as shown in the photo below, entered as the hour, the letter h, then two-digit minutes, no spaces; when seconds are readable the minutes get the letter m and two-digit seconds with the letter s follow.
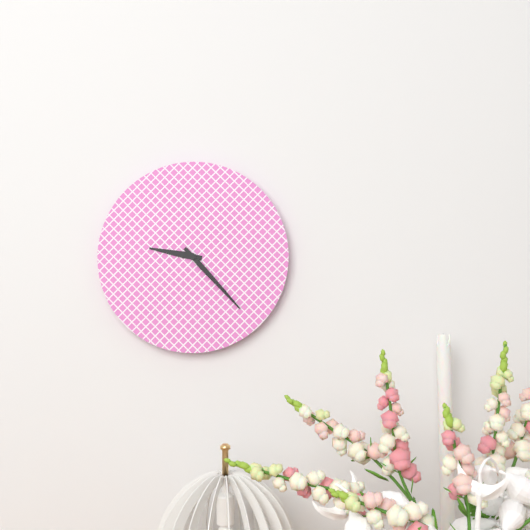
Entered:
9h23
